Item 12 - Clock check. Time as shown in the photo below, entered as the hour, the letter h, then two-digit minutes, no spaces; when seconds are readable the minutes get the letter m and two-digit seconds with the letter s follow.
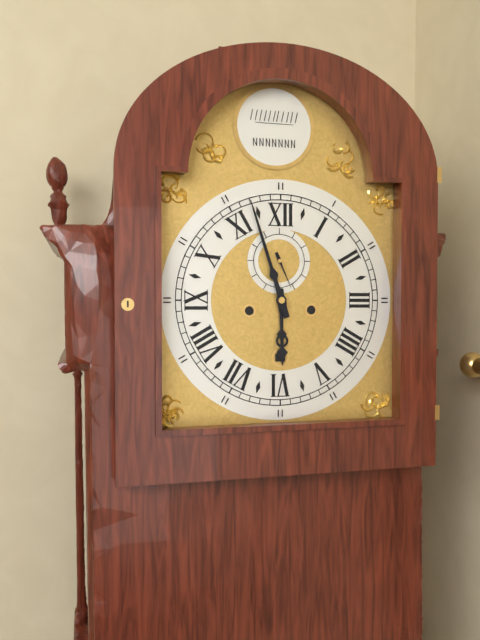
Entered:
5h57
